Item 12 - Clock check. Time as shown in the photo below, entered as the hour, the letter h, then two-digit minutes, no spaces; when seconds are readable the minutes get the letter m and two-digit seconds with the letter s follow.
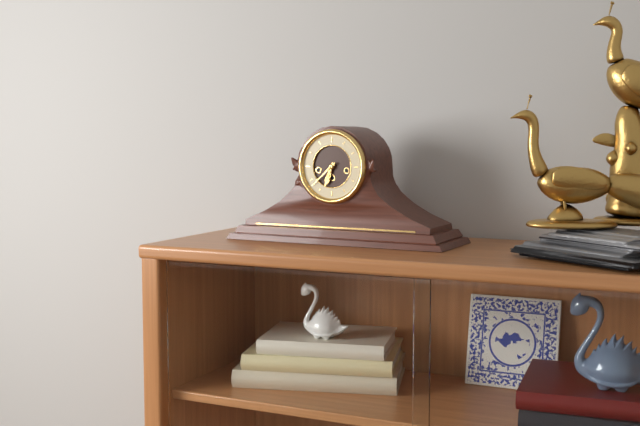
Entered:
6h38
